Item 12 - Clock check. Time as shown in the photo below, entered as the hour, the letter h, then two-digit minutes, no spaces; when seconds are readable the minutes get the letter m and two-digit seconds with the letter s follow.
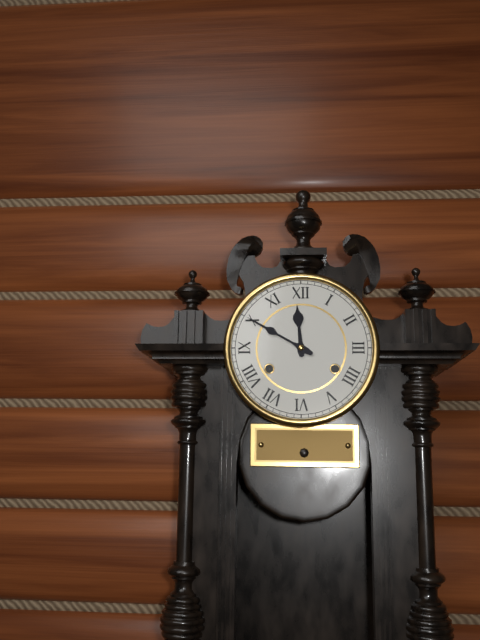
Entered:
11h50
